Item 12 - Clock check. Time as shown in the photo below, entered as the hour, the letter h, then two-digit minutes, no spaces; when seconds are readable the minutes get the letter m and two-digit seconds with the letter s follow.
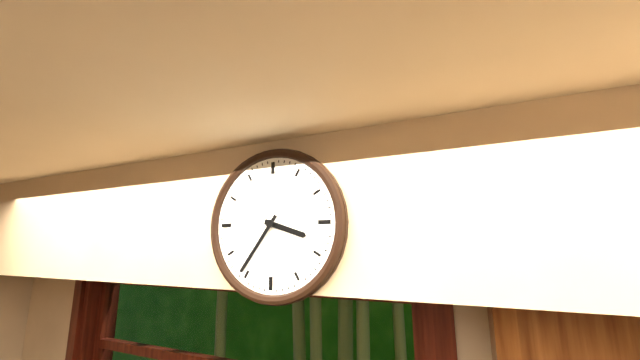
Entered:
3h36
